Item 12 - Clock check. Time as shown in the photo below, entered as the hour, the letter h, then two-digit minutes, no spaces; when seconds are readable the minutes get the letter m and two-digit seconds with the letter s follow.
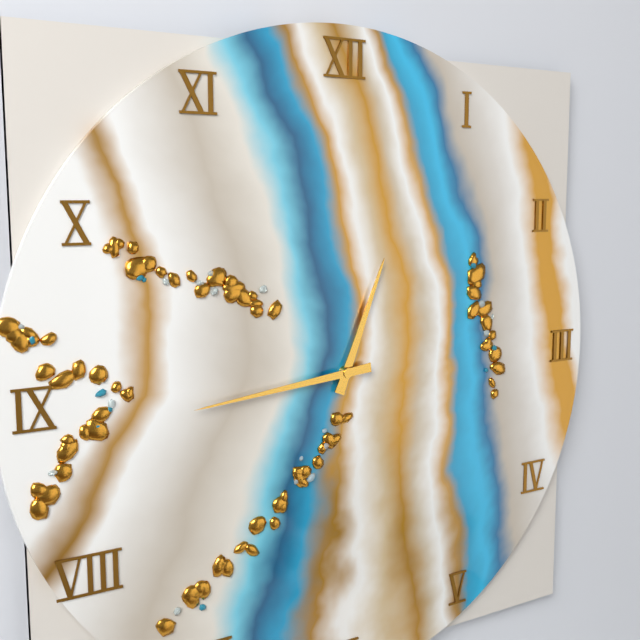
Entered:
12h44
